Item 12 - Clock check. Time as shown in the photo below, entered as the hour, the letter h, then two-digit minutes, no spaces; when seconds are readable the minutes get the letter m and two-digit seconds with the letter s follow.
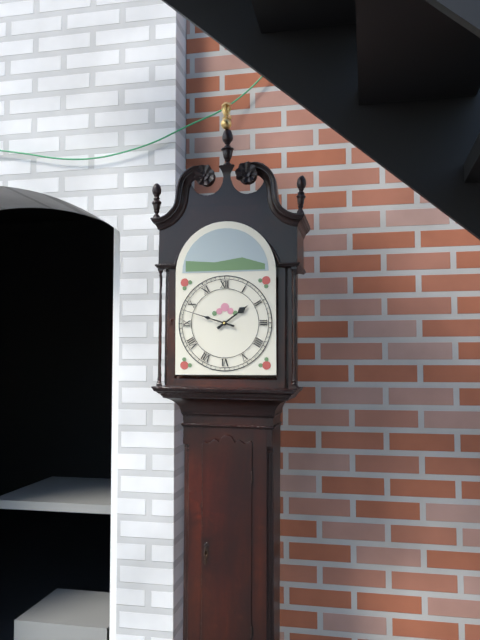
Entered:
1h48
